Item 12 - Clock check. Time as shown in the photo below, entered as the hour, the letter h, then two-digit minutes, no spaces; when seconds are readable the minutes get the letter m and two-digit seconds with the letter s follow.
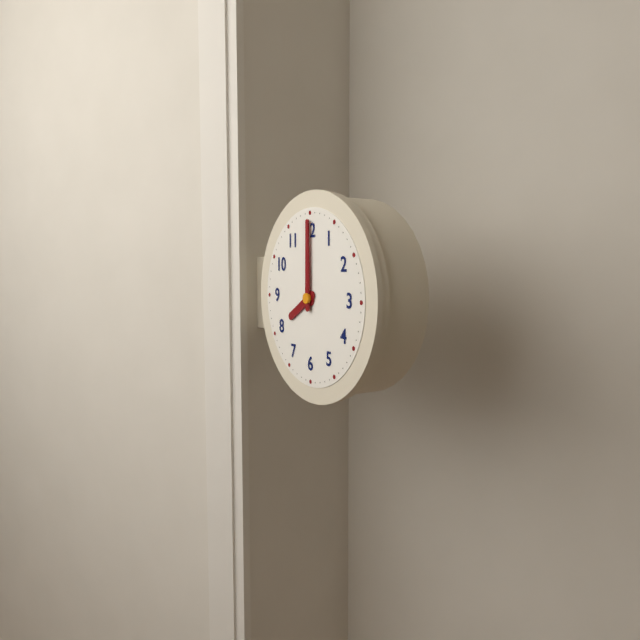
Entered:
8h00
